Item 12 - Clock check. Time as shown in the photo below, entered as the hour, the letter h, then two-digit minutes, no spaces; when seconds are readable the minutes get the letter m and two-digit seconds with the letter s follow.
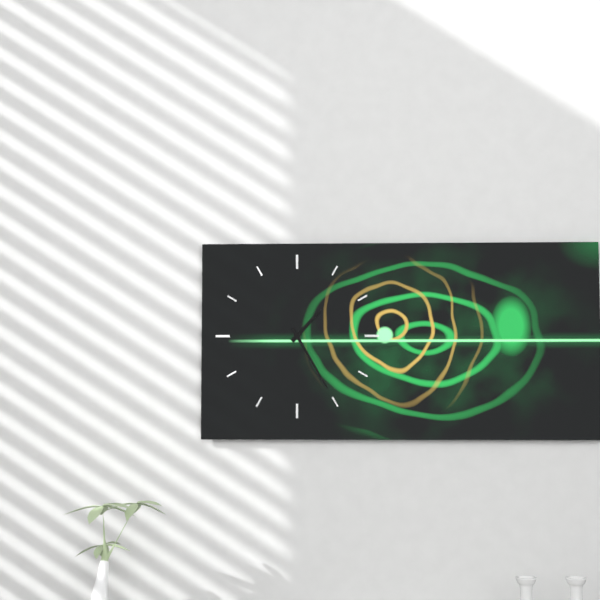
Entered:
1h25
